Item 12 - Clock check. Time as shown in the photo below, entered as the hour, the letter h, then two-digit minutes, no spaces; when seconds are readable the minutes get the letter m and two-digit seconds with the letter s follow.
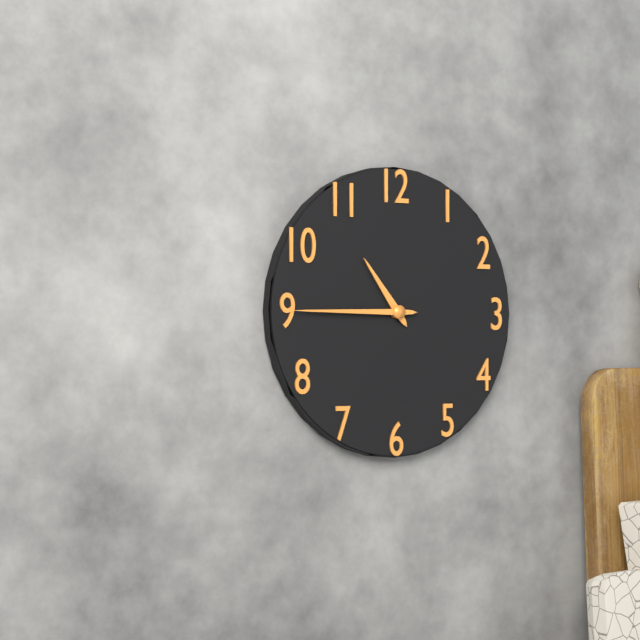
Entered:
10h45
